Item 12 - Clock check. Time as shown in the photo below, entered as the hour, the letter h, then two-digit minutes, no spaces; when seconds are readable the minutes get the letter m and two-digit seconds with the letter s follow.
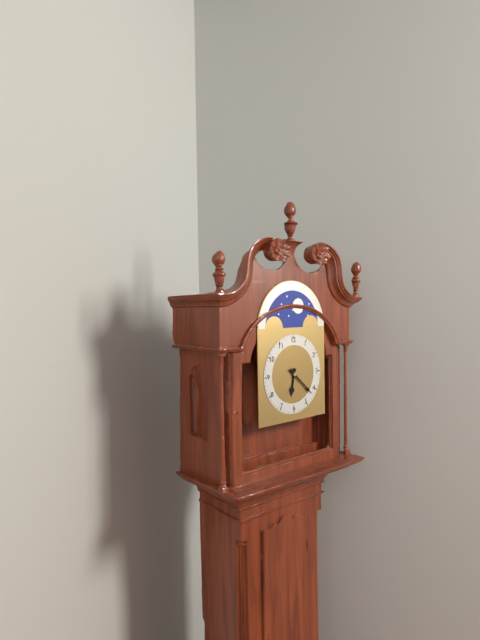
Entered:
6h22
